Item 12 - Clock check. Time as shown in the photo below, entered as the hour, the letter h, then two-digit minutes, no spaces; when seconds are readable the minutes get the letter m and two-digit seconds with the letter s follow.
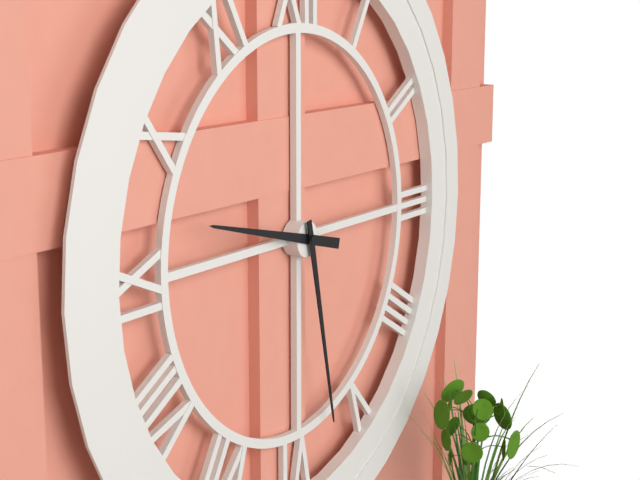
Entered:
9h28
